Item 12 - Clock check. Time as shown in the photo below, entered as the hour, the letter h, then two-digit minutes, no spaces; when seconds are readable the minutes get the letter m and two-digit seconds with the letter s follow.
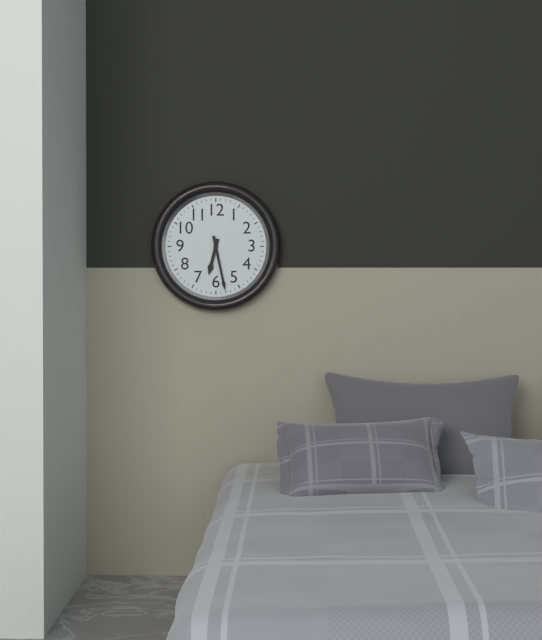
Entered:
6h28
